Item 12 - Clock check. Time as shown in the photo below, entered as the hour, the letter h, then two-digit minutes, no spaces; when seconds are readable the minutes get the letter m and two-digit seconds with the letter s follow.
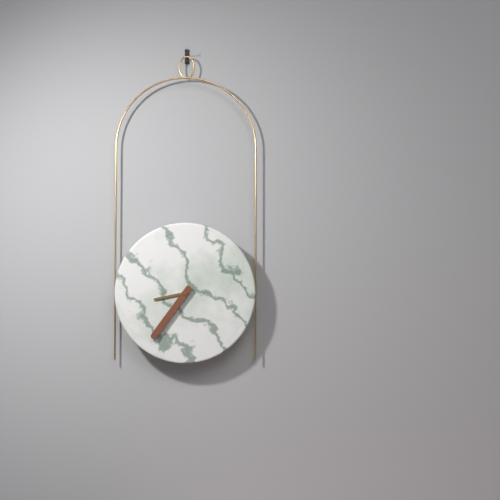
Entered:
8h36
